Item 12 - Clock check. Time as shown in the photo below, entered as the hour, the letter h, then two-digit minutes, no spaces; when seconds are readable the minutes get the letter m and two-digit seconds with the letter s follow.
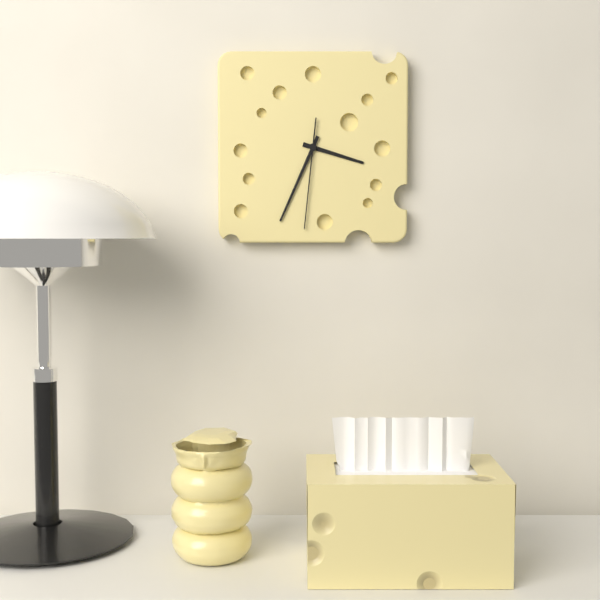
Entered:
3h34m31s
